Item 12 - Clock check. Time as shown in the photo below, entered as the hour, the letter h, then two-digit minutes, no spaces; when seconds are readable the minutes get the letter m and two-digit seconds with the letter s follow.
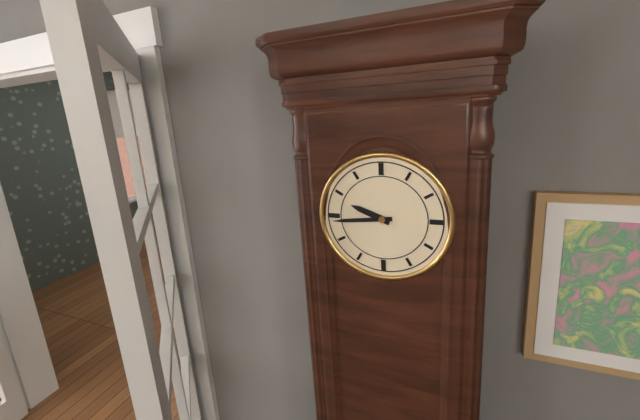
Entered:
9h44
